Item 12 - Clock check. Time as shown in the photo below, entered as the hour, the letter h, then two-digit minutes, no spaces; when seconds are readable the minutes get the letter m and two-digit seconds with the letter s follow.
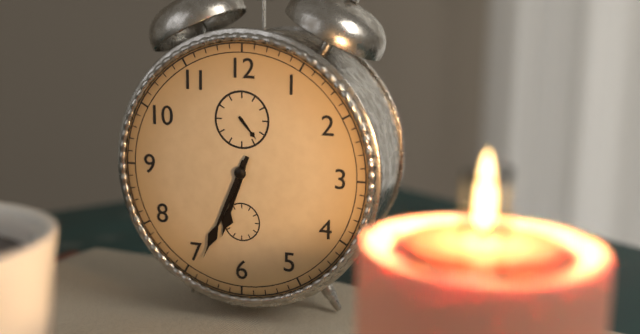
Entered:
6h34
